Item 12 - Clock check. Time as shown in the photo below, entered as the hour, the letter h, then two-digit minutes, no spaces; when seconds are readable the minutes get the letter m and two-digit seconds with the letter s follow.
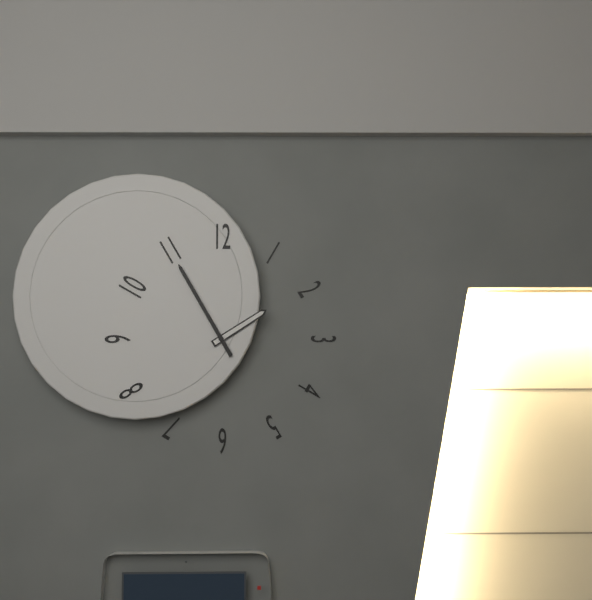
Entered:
1h55
